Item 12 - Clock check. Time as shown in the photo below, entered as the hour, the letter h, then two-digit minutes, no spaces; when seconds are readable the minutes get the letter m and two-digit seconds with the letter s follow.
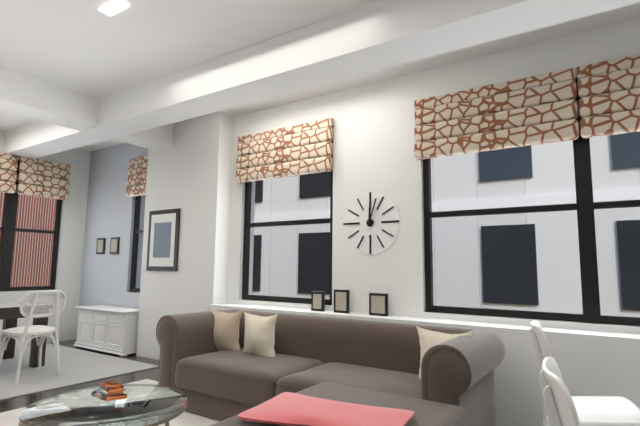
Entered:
12h03
